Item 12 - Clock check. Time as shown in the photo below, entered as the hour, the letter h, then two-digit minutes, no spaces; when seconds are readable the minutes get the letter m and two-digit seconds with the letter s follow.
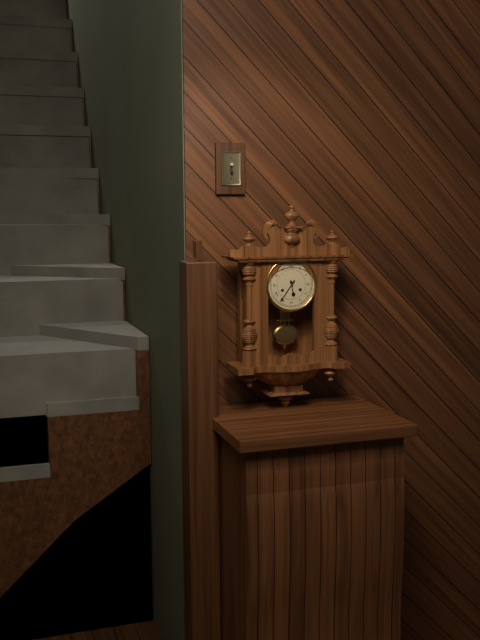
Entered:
5h36
